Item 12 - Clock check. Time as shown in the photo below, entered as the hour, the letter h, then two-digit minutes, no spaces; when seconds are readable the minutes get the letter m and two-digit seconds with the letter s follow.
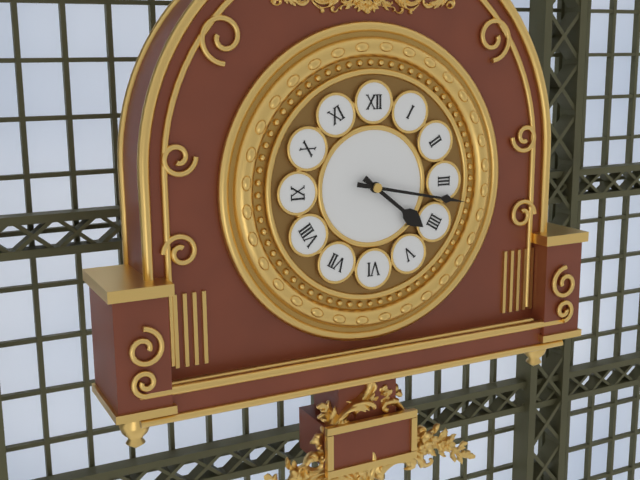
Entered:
4h17
